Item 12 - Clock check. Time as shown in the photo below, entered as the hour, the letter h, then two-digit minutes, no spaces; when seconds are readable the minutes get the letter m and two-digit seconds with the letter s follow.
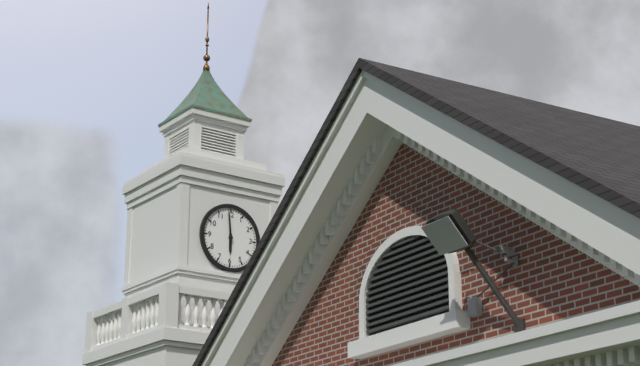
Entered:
5h59
